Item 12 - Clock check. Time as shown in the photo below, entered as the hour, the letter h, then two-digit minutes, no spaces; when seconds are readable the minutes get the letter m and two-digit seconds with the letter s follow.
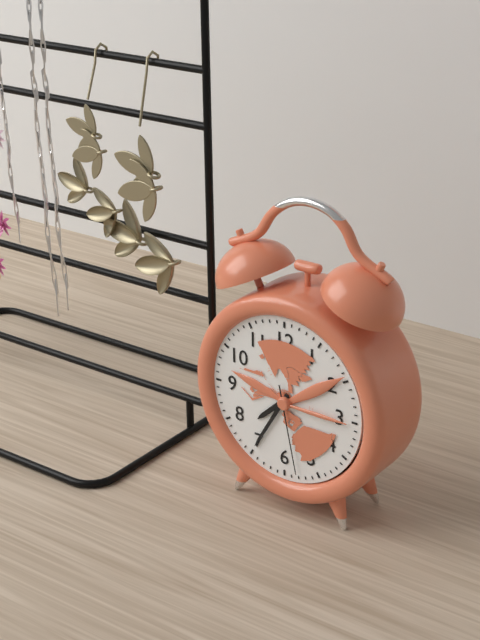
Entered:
7h35m28s
